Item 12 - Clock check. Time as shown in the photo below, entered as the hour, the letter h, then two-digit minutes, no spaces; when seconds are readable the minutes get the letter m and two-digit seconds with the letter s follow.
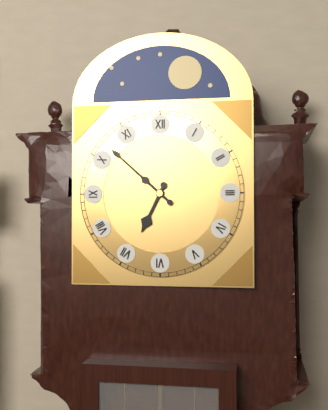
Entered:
6h52
